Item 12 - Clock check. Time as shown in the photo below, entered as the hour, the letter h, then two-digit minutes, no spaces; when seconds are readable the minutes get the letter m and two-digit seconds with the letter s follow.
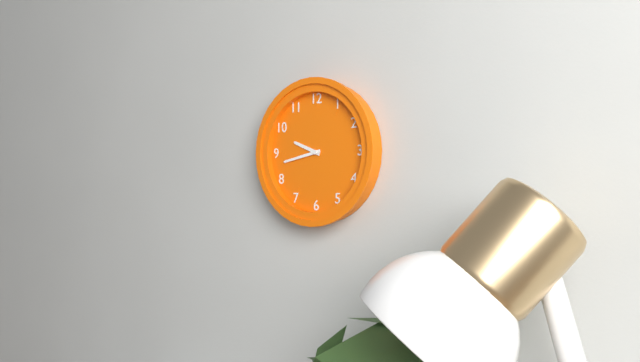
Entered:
9h43
